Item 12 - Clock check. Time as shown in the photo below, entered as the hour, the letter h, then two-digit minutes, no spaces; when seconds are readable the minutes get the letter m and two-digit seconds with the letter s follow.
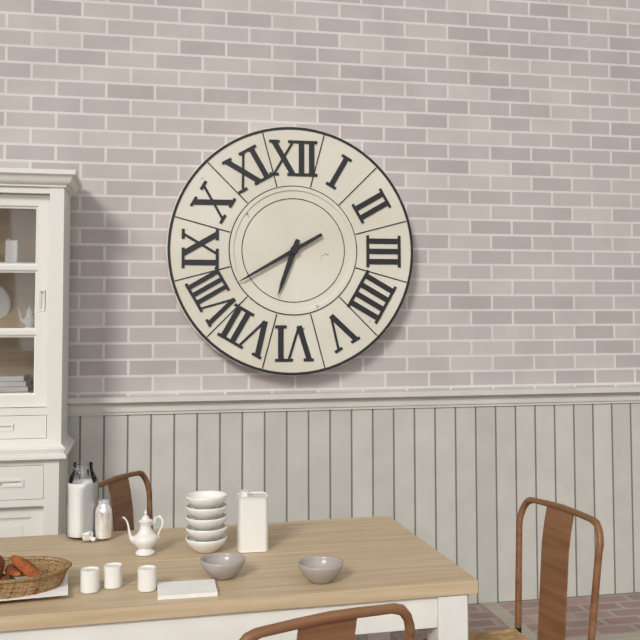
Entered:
6h40
